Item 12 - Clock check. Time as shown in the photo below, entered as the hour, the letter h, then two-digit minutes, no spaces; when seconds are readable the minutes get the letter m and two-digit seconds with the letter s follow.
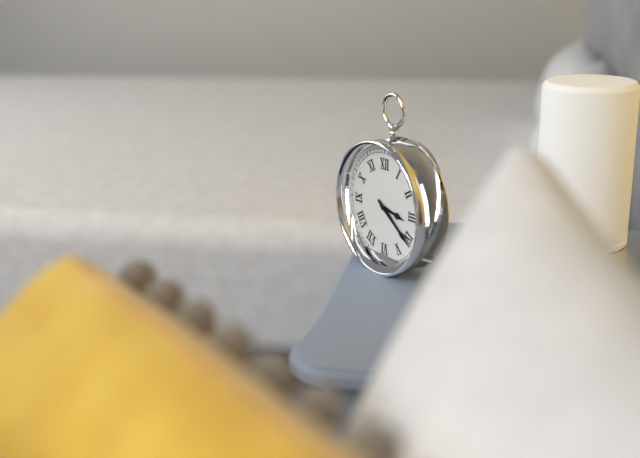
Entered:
3h21
